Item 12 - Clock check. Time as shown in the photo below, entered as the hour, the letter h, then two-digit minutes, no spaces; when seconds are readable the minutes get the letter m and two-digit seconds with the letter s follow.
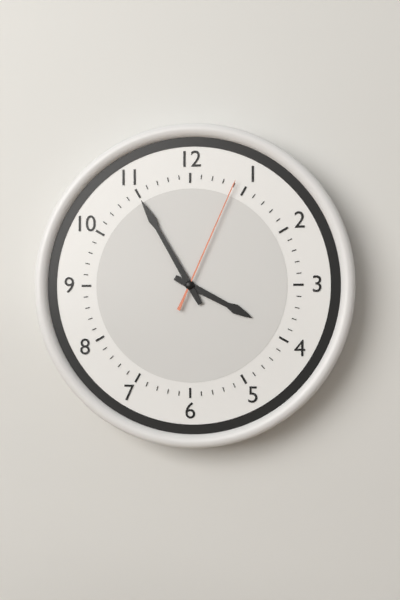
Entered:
3h55m04s
